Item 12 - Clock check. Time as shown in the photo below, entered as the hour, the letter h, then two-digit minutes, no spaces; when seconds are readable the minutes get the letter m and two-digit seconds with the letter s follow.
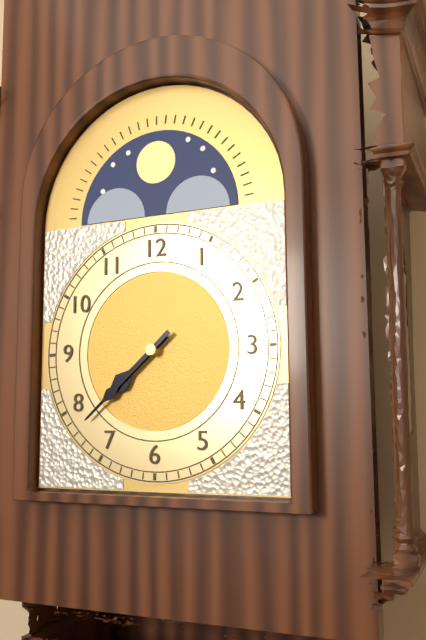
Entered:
7h38
